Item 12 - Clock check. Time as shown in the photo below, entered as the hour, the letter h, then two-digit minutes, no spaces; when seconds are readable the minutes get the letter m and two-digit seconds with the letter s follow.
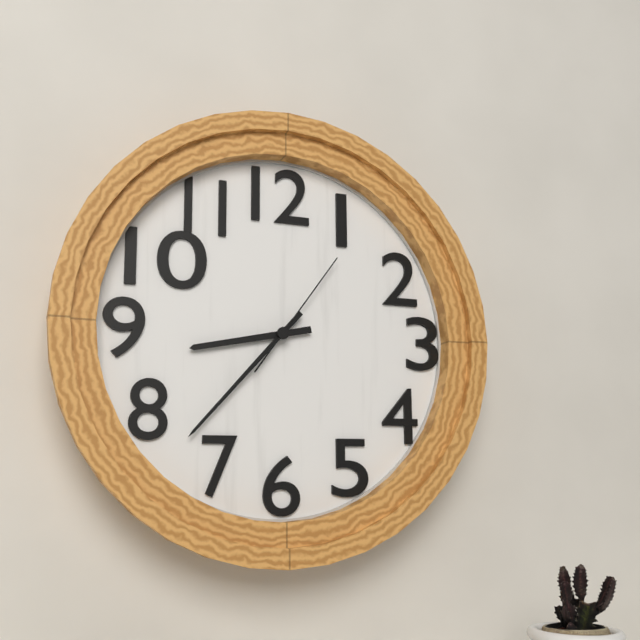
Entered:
8h37m06s
